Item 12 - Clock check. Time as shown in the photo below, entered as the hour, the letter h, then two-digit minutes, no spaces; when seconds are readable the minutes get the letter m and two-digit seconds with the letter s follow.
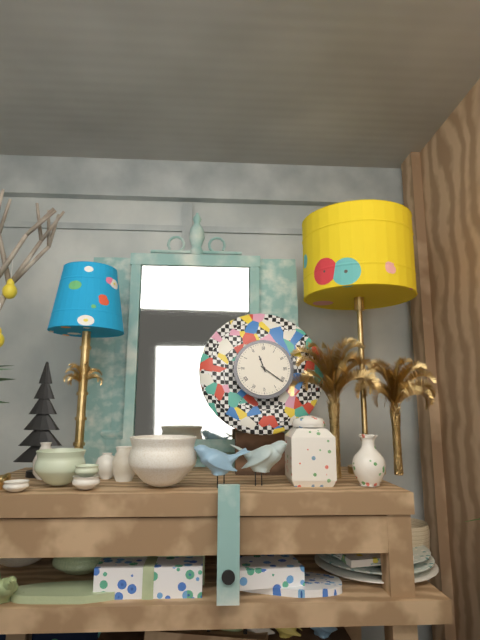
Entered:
11h21
